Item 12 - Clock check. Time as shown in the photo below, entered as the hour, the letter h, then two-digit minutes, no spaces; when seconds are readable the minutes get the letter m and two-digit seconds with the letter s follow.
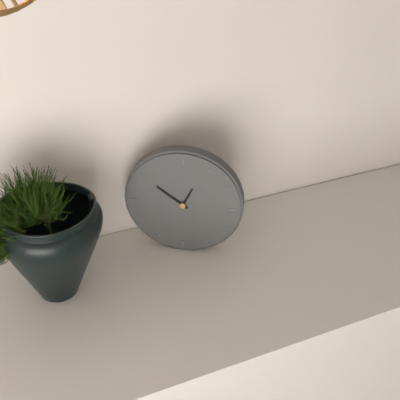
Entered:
12h51
